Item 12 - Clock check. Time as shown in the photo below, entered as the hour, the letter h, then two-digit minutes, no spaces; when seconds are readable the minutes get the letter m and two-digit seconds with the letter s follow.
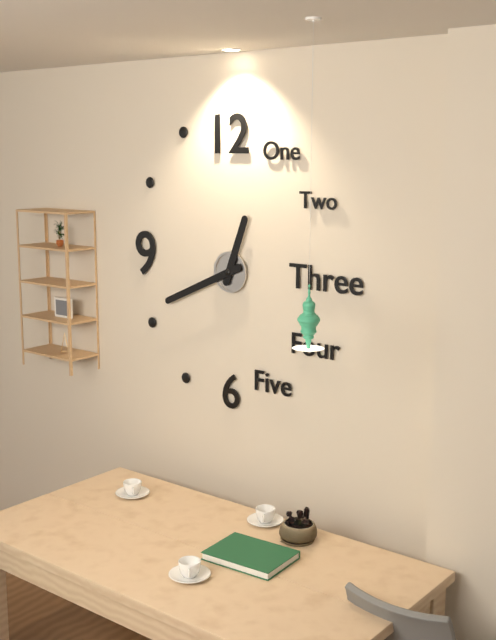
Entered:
12h41
